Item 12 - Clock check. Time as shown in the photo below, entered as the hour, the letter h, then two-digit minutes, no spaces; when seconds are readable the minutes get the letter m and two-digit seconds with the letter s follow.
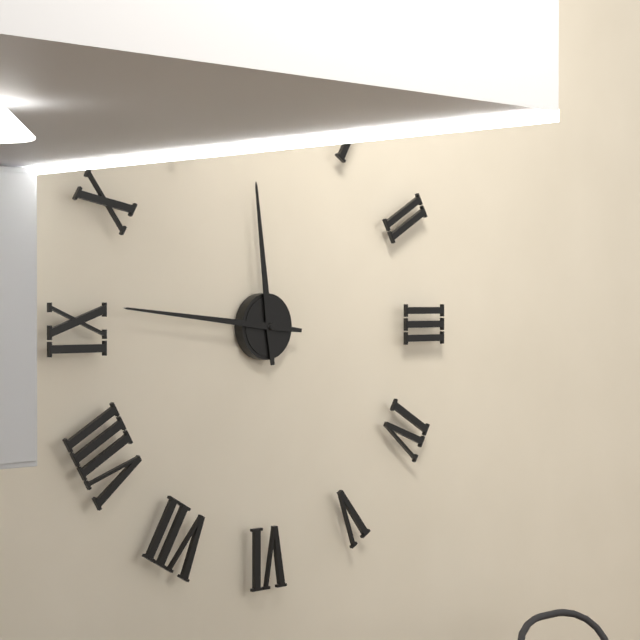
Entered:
11h46
